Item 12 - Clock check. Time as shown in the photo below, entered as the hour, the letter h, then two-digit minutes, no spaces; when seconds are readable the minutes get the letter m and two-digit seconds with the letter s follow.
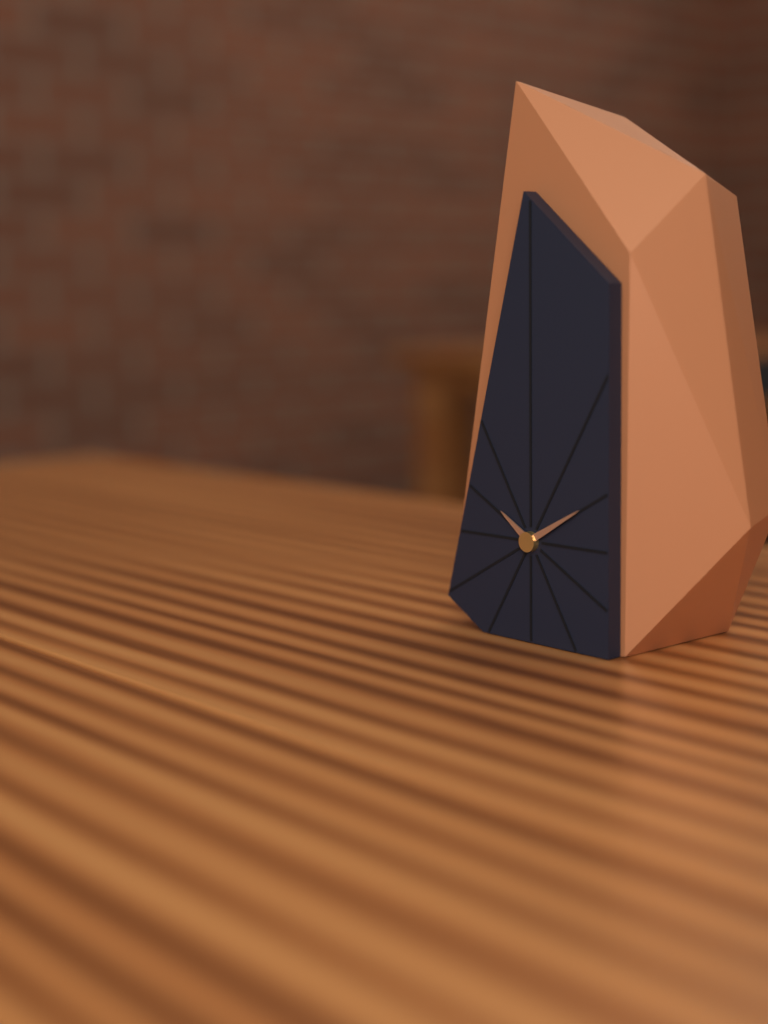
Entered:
10h10
